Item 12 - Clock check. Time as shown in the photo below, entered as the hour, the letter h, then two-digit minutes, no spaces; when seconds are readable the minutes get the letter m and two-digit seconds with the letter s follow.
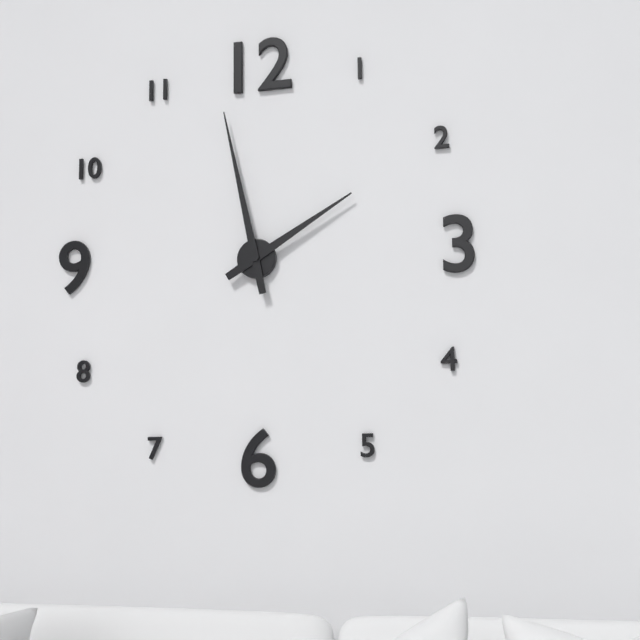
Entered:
1h58
